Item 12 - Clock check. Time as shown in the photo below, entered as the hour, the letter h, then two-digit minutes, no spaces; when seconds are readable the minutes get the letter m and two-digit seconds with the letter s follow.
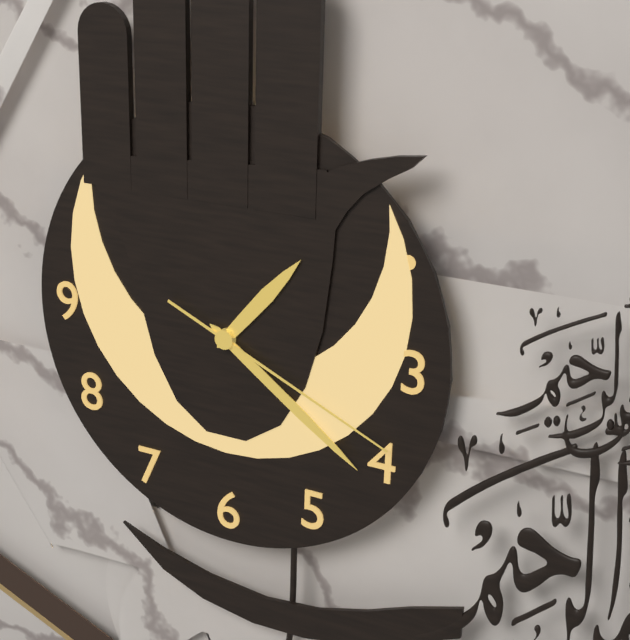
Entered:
1h21m19s
